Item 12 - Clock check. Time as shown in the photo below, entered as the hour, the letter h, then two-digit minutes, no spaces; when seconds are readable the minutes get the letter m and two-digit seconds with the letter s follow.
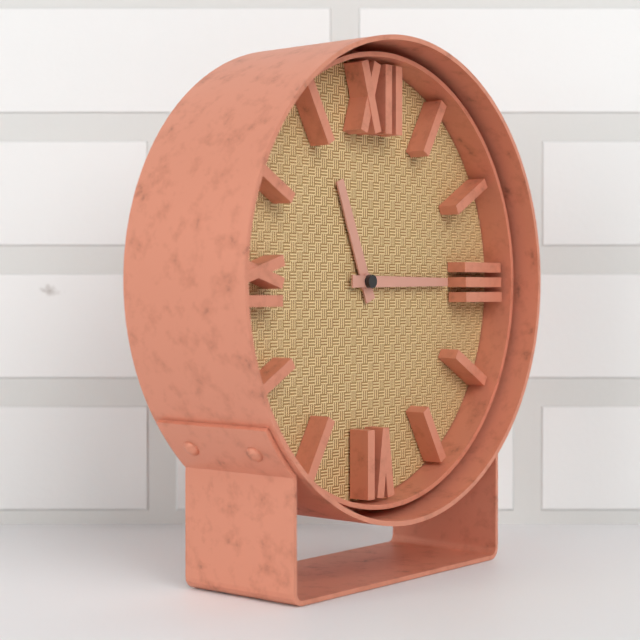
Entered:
11h15
